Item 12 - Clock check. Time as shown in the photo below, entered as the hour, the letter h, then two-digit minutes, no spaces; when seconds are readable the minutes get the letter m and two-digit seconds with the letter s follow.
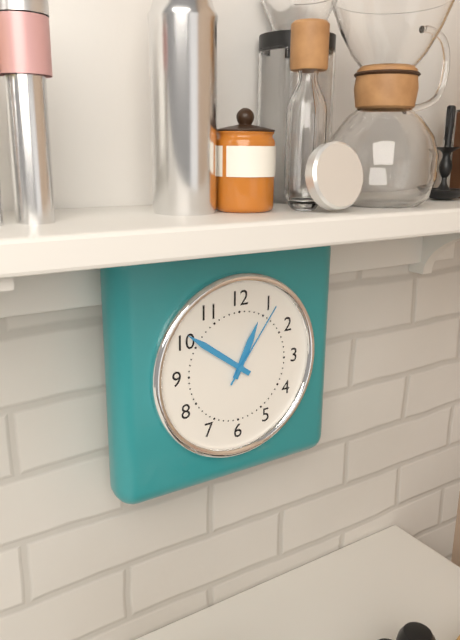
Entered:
12h51m06s
